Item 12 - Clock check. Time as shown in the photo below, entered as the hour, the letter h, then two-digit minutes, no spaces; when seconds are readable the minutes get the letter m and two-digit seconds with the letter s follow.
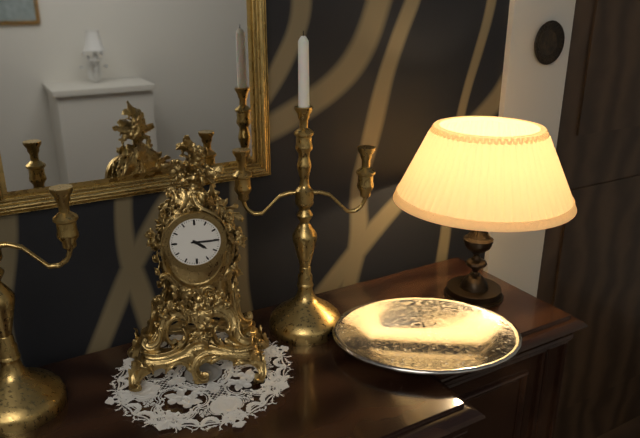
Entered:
4h15
